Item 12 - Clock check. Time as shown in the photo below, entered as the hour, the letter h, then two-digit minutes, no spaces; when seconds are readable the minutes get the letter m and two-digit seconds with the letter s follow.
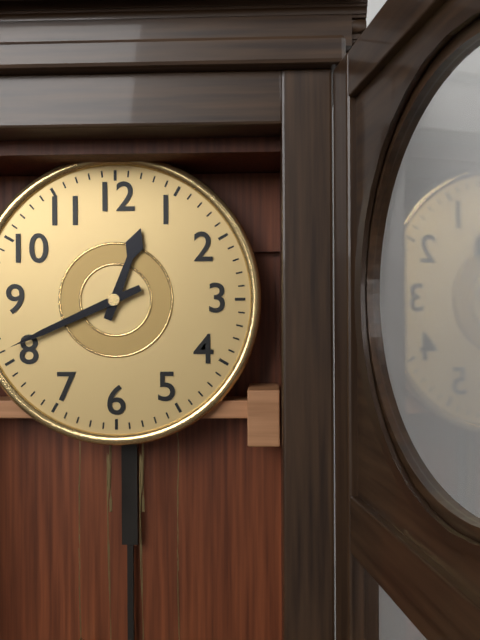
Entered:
12h41
